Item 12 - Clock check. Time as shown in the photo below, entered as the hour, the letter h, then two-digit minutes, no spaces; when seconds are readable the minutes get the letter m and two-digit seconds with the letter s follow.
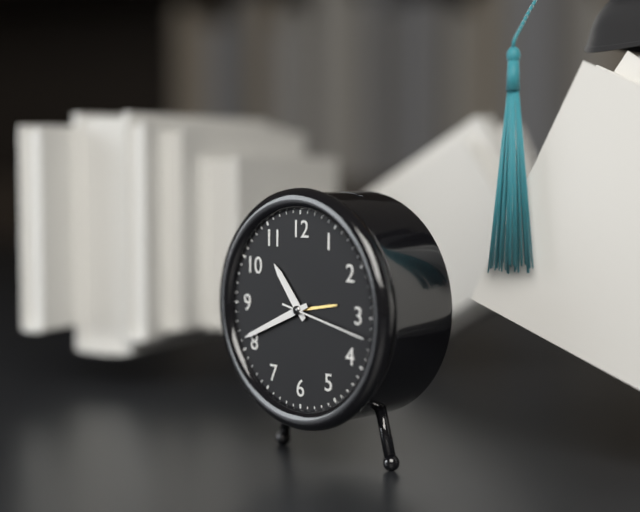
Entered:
10h41m17s
